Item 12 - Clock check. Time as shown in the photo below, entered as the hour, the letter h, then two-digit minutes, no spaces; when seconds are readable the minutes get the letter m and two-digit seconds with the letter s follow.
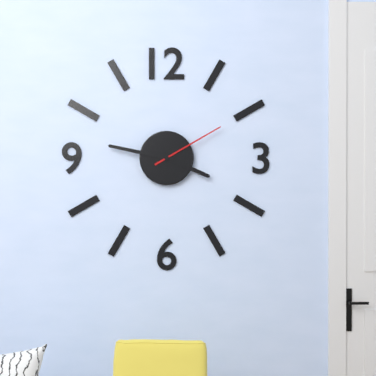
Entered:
3h47m10s
